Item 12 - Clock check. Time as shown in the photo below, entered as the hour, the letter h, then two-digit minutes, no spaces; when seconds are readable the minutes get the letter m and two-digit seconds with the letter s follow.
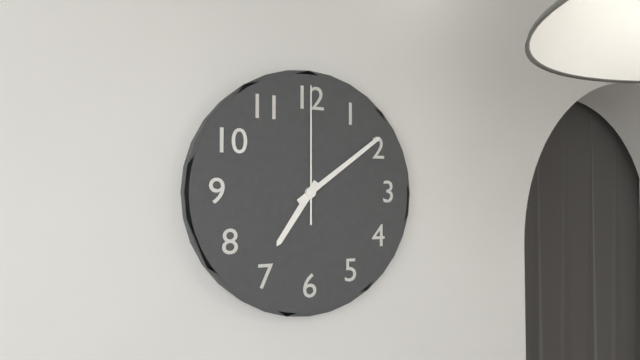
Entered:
7h09m00s
